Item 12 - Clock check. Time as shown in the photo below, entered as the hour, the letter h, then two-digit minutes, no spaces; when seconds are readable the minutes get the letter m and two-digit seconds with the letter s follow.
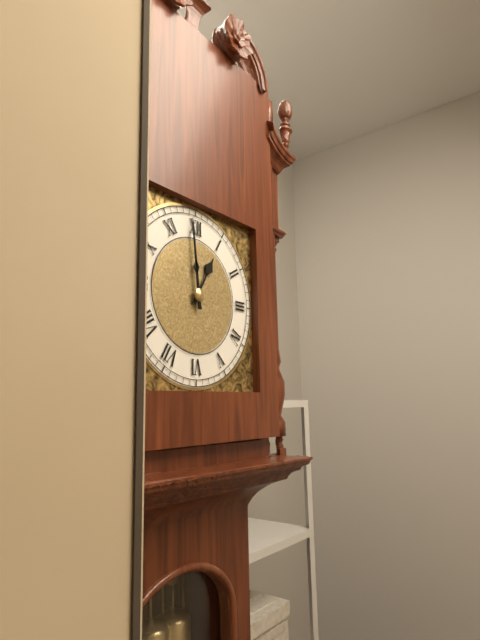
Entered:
12h59
